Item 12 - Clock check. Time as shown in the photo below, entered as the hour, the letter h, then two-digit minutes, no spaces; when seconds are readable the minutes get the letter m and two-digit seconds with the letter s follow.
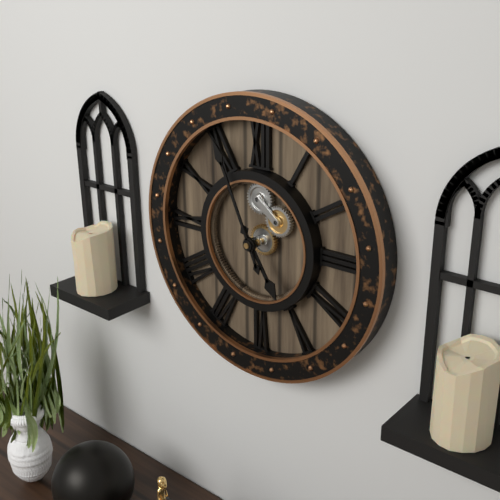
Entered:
4h56
